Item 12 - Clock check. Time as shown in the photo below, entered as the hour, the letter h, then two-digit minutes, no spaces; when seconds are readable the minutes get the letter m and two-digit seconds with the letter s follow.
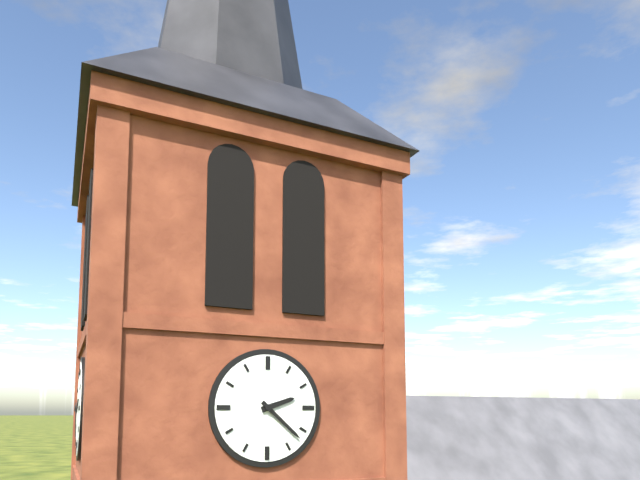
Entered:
2h22
